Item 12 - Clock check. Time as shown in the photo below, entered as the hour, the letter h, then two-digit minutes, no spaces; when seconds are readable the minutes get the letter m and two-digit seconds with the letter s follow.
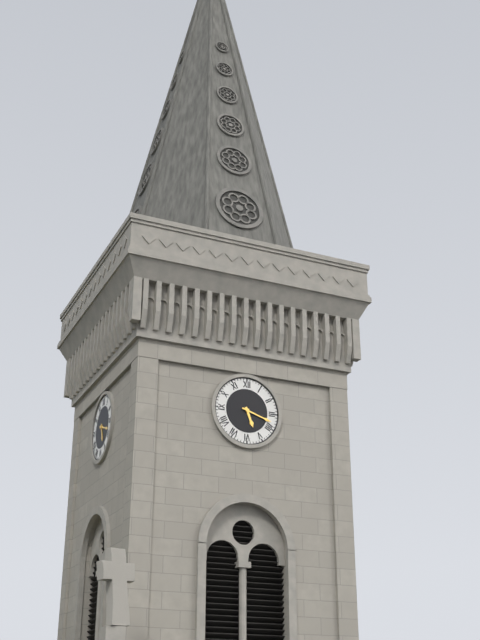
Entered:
5h18
